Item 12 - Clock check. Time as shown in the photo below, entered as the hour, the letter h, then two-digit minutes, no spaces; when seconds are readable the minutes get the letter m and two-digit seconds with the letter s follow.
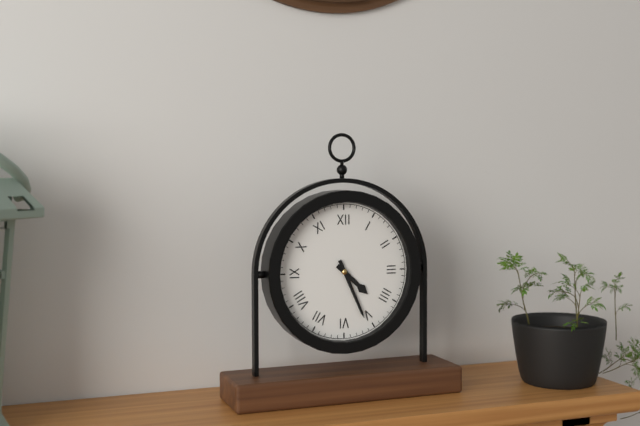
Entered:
4h26
